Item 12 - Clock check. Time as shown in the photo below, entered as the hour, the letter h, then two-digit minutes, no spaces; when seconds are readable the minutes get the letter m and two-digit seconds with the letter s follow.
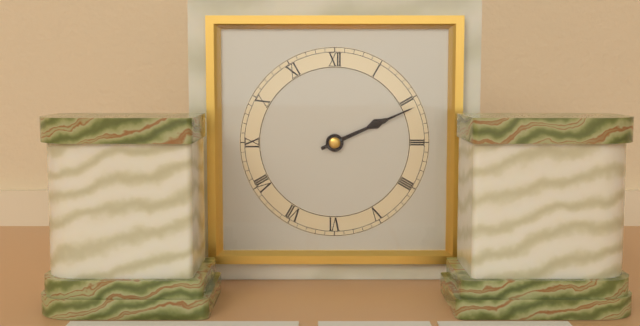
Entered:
2h11
